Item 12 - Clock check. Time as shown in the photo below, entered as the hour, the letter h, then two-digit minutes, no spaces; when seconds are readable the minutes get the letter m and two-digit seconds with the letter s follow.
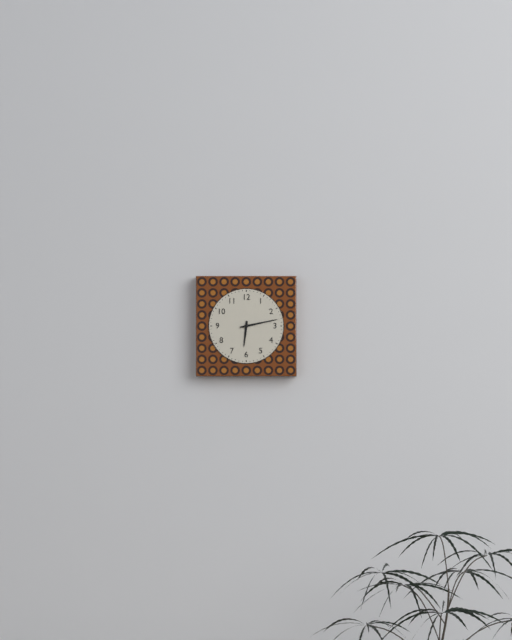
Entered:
6h13
